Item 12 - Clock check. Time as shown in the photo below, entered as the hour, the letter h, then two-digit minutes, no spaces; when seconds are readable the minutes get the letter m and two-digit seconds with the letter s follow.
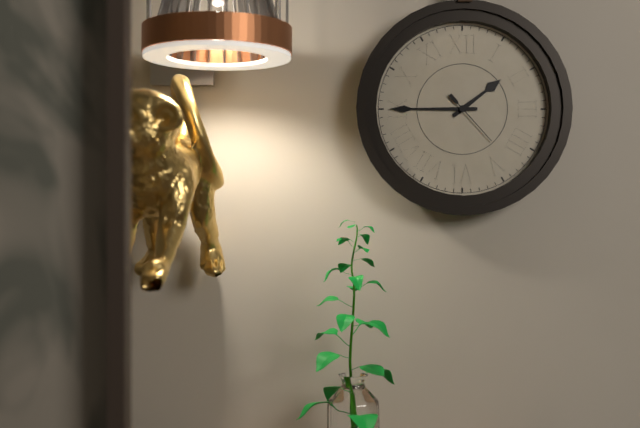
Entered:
1h45m23s
